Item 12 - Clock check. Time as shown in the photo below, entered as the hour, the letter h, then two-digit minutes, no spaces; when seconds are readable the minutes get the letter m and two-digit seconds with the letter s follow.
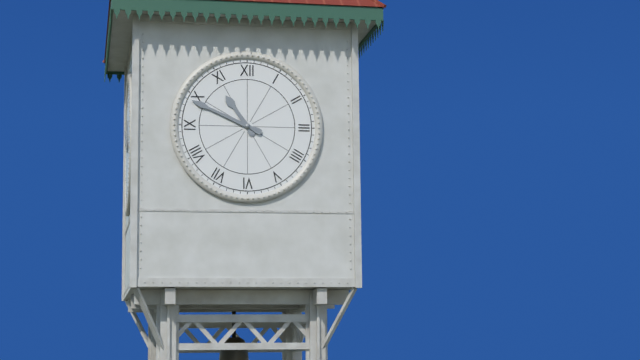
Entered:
10h49
